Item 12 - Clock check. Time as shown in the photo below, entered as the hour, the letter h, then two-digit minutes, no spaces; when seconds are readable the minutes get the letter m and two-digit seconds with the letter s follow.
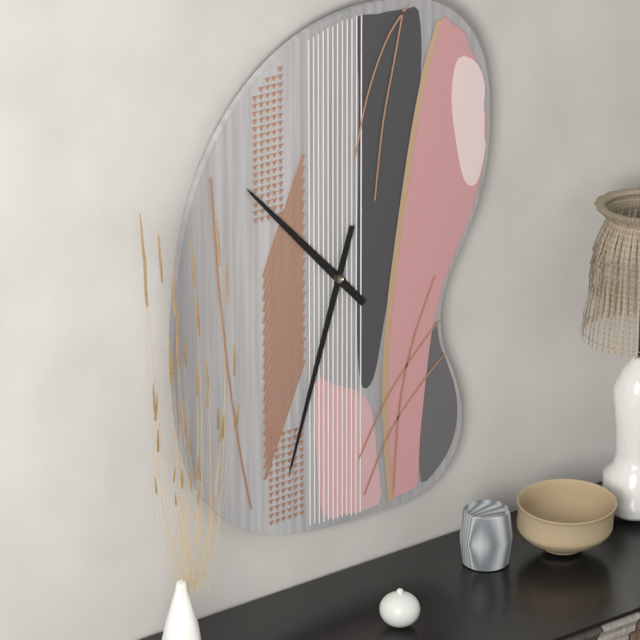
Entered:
10h33
